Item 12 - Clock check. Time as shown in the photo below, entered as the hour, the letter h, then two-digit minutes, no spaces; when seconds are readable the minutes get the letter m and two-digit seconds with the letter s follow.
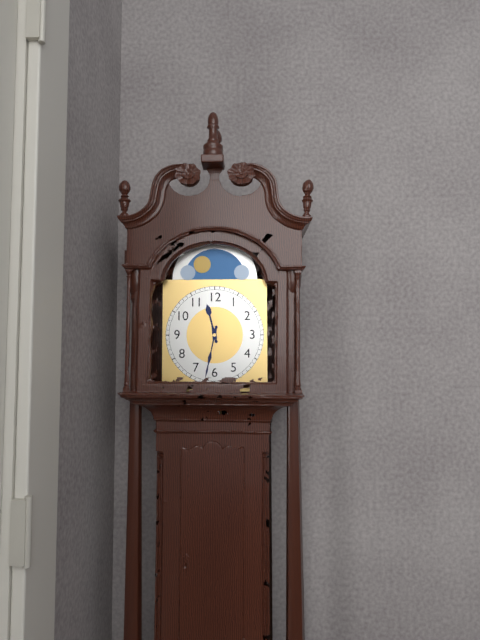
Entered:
11h32
